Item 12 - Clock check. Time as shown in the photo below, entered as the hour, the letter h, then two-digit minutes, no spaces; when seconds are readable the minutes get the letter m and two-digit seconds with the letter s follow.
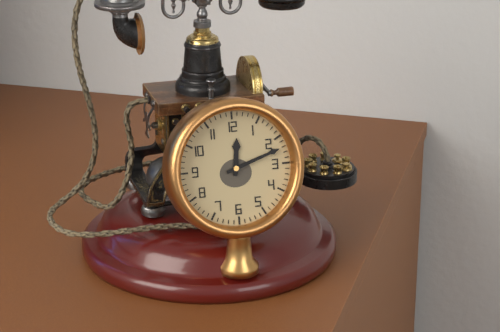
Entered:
12h12
